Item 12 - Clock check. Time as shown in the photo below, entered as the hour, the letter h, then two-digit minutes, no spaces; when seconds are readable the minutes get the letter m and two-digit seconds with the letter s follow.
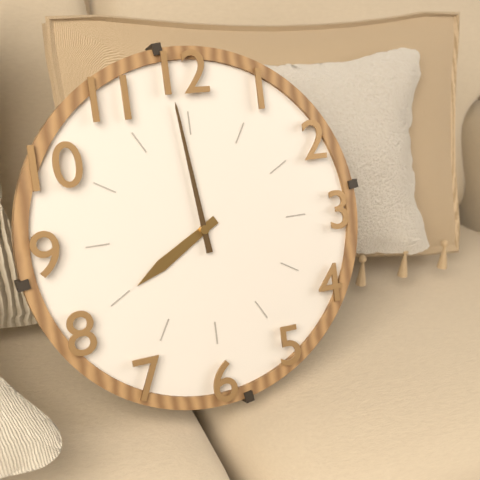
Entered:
7h59
